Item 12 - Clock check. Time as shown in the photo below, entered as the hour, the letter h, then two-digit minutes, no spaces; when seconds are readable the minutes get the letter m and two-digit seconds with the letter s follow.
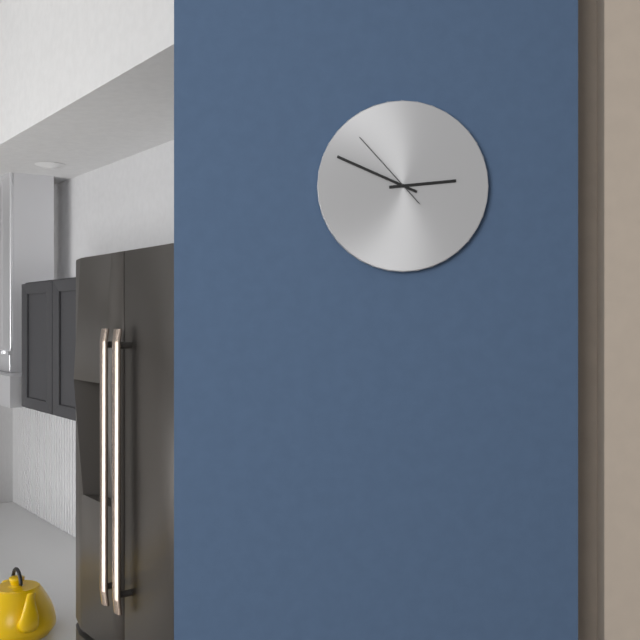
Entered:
2h49m53s
